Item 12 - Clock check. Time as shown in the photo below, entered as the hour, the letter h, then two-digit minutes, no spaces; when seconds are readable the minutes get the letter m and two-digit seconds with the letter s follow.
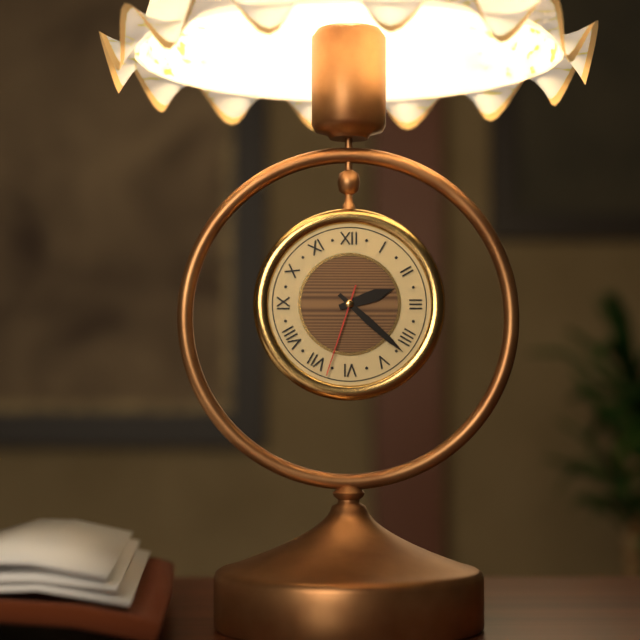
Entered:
2h22m33s
